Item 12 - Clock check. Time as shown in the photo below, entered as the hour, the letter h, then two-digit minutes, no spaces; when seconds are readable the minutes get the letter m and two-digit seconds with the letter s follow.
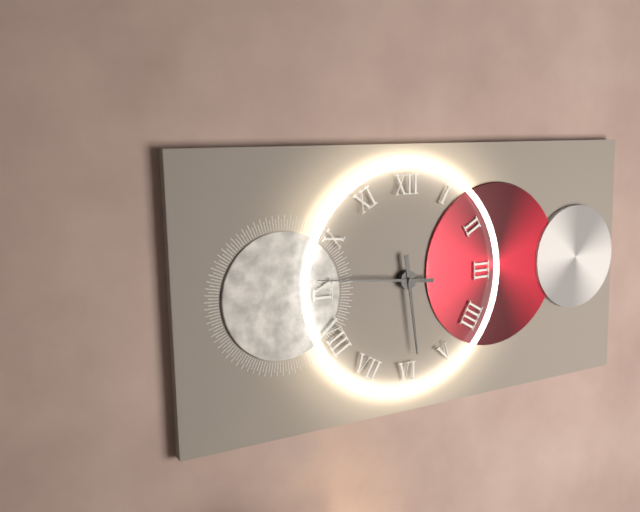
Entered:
5h46
